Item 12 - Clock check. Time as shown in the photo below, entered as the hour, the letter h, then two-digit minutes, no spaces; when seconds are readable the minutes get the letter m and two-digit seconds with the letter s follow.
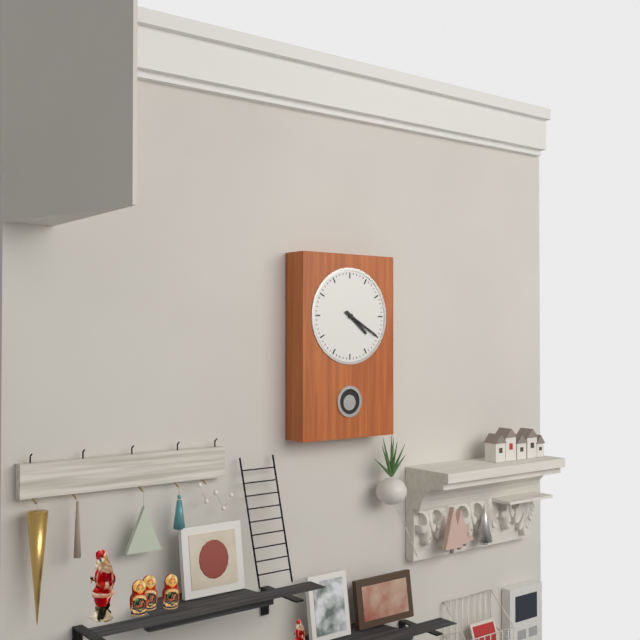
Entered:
4h20
